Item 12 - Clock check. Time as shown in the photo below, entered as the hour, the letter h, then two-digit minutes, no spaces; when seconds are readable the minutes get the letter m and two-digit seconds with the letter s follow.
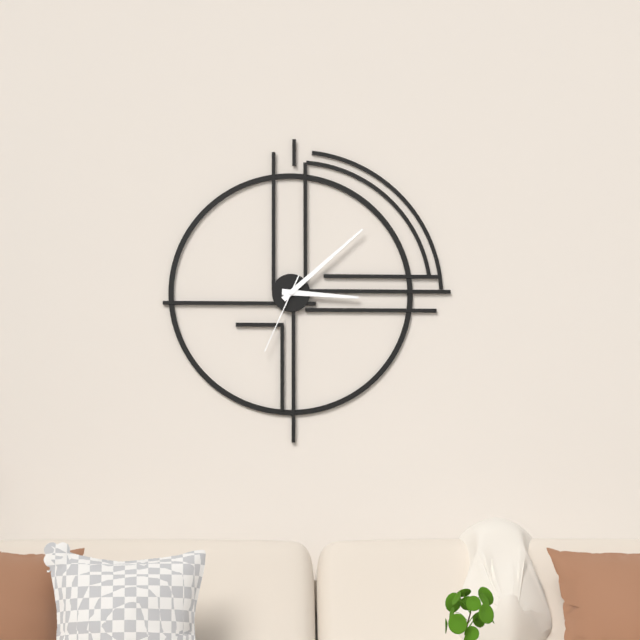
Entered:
3h08m34s
